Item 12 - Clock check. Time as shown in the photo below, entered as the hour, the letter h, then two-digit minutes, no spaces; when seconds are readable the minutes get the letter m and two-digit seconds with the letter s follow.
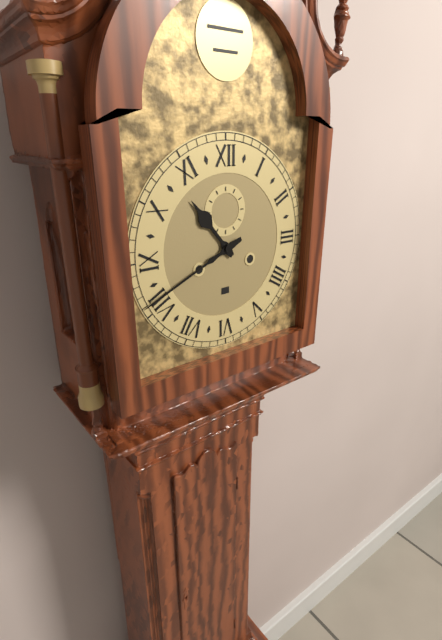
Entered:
10h41
